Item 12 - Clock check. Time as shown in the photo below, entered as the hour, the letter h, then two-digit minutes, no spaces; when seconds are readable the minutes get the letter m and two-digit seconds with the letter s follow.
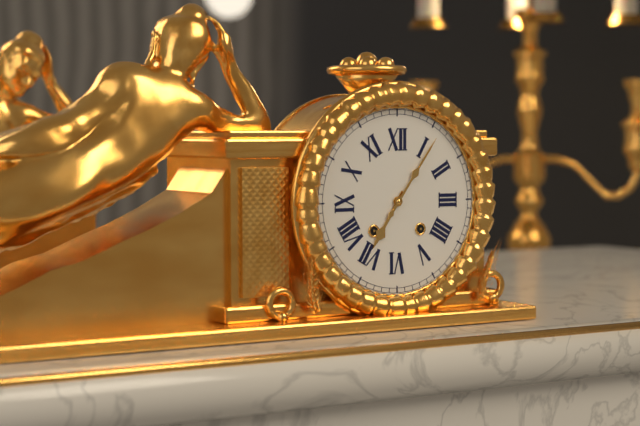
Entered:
7h06
